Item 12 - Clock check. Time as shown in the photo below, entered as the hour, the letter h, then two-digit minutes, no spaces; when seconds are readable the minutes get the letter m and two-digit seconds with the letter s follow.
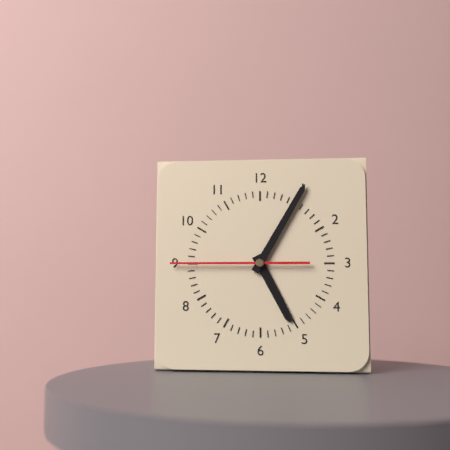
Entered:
5h05m45s
